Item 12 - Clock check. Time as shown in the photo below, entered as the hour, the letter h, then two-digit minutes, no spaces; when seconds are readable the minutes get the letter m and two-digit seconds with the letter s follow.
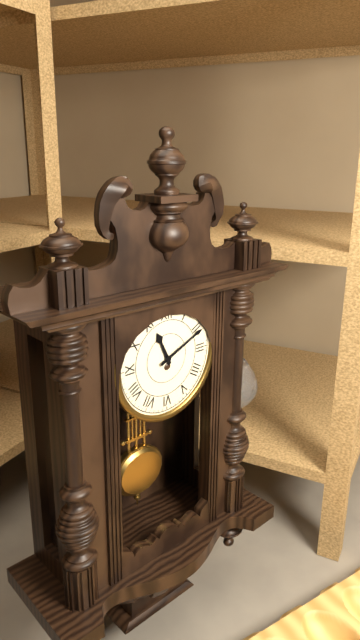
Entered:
11h11
